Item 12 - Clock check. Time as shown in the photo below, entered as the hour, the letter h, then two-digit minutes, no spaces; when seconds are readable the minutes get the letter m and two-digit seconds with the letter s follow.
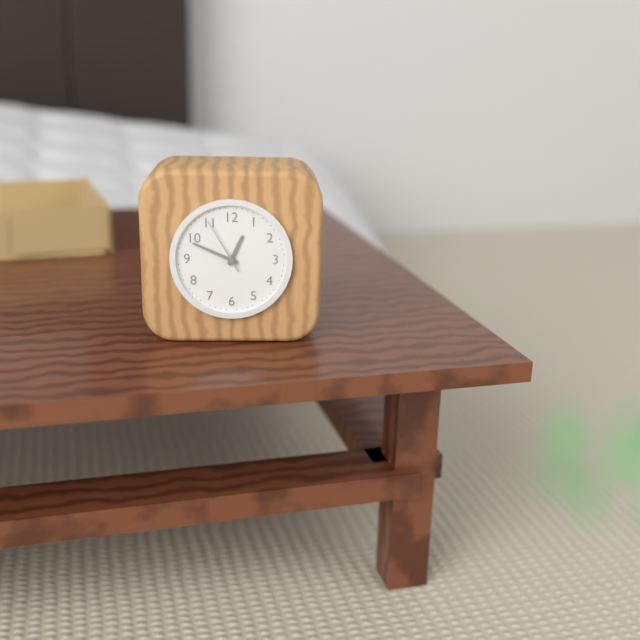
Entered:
12h49m55s
